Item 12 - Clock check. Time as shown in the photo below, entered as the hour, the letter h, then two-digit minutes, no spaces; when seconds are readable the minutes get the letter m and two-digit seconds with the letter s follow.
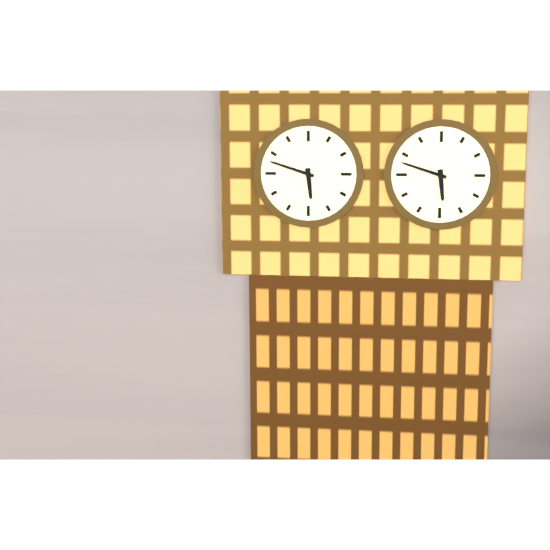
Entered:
5h48
